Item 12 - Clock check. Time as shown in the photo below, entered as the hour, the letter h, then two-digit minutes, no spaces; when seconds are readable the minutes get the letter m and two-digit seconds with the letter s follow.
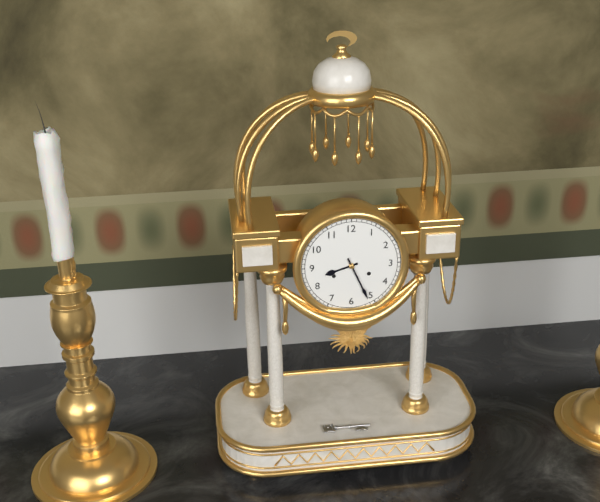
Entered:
8h26
